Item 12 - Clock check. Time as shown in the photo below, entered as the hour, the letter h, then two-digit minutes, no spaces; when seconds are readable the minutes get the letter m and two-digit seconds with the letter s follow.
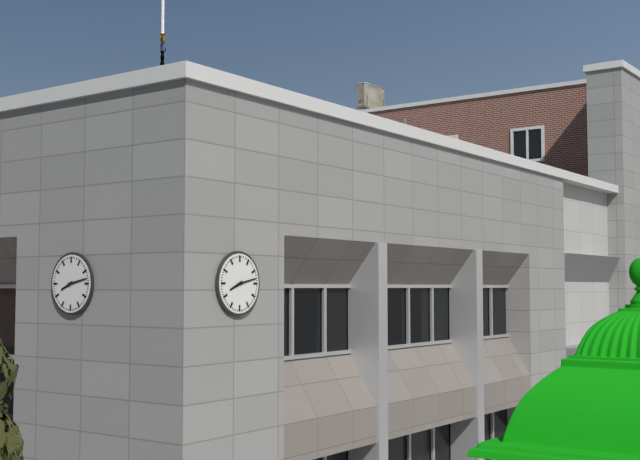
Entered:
8h13
